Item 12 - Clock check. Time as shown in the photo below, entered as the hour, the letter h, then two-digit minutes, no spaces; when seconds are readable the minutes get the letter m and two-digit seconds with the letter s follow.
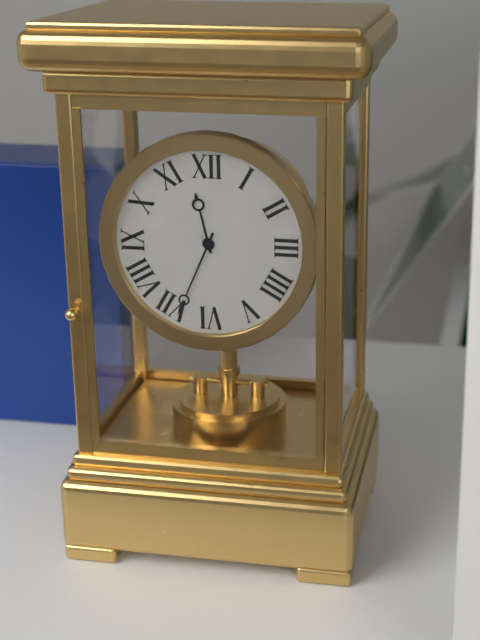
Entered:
11h34
